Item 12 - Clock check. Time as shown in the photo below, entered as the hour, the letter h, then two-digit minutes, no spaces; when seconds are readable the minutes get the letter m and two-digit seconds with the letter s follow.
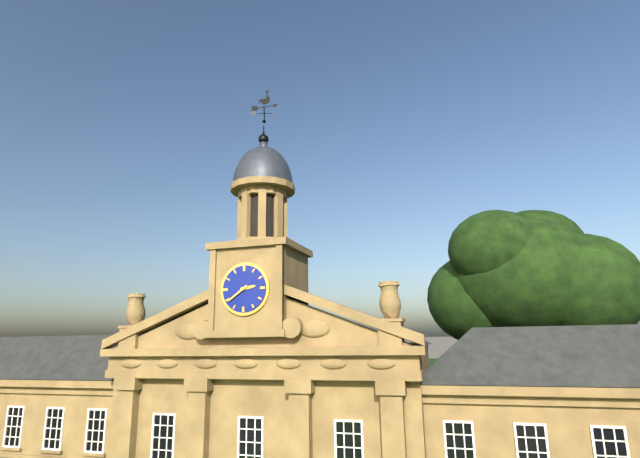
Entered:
2h39
